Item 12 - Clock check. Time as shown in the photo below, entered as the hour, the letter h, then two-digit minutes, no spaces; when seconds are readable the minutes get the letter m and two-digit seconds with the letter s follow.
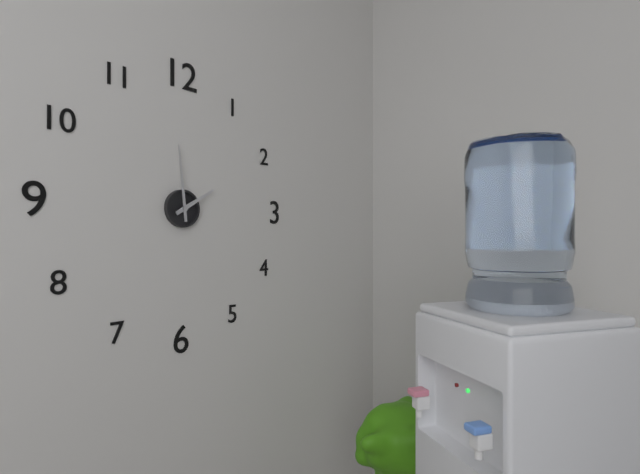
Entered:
1h59
